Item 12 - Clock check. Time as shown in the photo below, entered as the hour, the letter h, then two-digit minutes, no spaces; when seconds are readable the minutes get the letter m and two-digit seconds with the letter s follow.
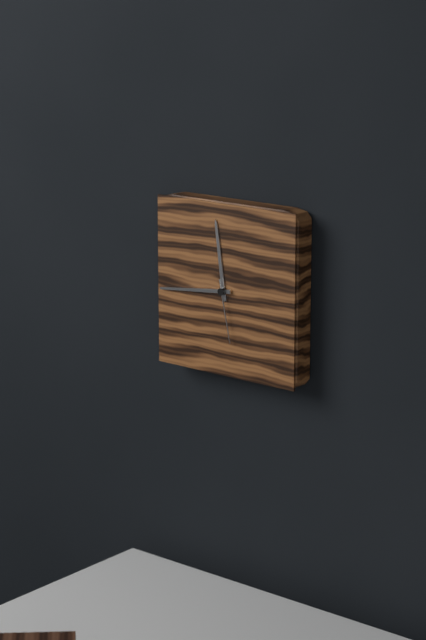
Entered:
11h44m28s
